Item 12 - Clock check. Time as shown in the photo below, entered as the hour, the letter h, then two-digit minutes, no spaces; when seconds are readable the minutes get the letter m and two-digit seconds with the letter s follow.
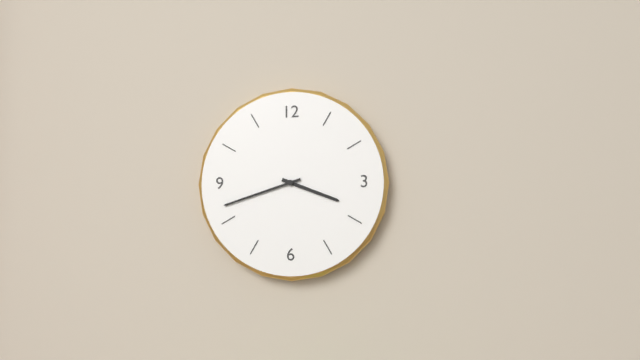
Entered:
3h42
